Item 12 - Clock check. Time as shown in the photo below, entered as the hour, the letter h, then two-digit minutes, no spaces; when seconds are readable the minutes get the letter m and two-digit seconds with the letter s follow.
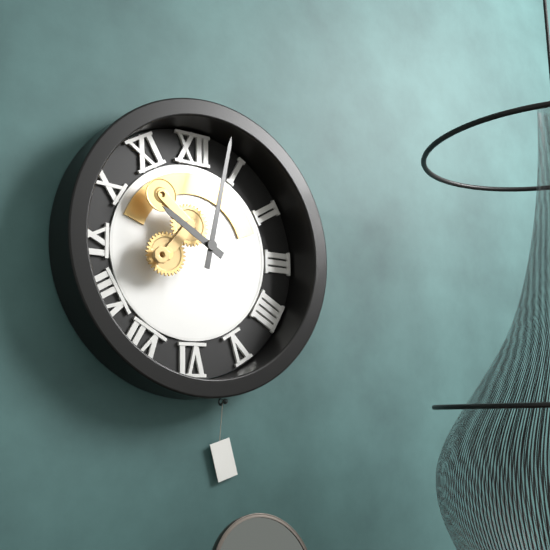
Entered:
10h02
